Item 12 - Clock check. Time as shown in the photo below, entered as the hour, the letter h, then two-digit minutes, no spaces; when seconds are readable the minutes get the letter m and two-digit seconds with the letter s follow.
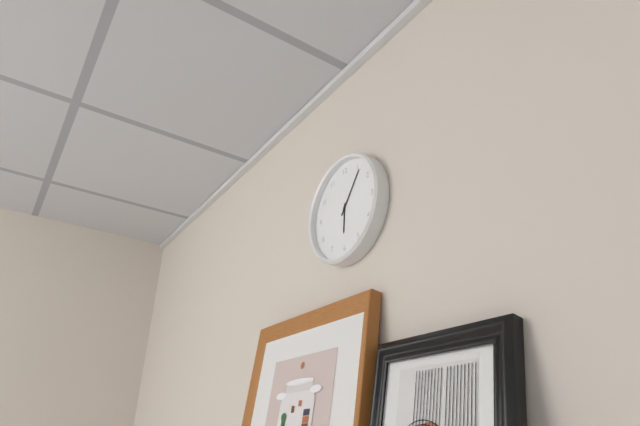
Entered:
6h06
